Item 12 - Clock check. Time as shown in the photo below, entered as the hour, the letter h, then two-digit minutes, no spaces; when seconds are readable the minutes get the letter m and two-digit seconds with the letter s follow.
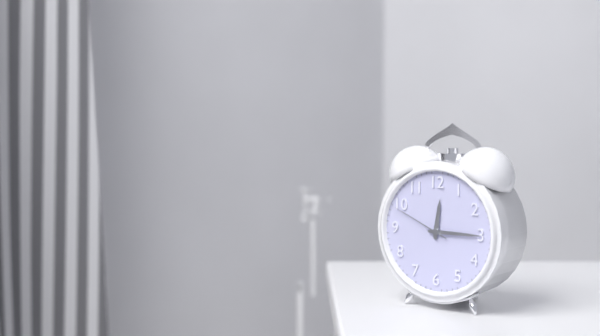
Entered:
12h15m49s
